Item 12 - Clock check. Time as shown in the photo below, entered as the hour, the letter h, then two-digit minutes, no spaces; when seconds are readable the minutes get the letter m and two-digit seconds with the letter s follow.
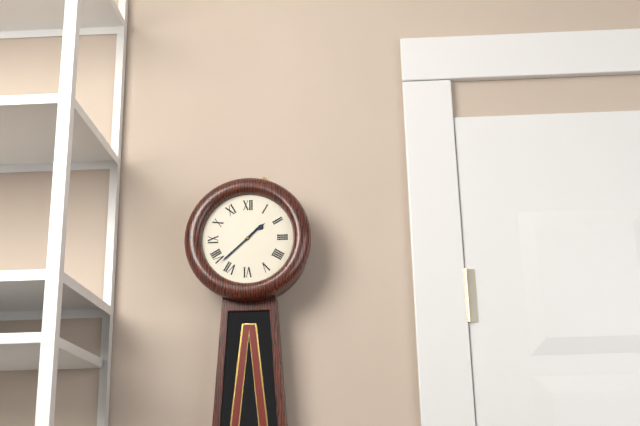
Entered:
1h38
